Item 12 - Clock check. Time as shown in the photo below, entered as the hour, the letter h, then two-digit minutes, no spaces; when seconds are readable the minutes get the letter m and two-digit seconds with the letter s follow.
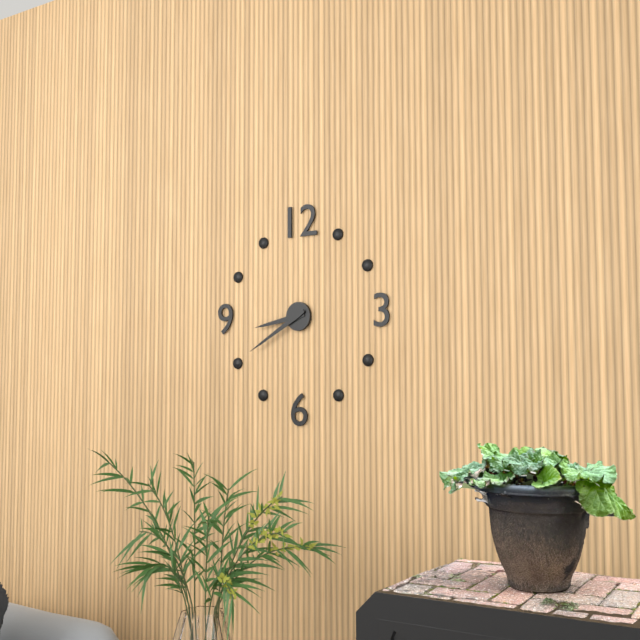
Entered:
8h40
